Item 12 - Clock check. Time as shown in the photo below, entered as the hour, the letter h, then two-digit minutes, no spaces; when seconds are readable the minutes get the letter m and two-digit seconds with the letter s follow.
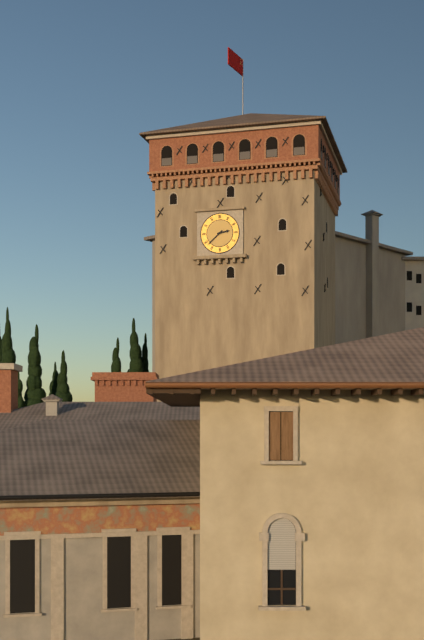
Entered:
2h38
